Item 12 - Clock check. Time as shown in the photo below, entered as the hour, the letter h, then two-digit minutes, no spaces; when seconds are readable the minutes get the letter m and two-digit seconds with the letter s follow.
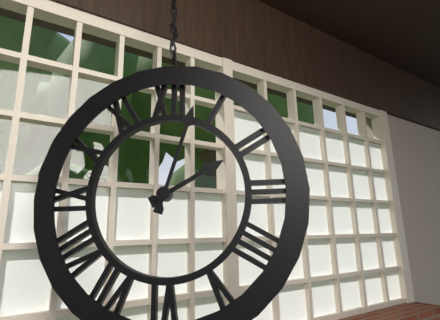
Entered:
2h03
